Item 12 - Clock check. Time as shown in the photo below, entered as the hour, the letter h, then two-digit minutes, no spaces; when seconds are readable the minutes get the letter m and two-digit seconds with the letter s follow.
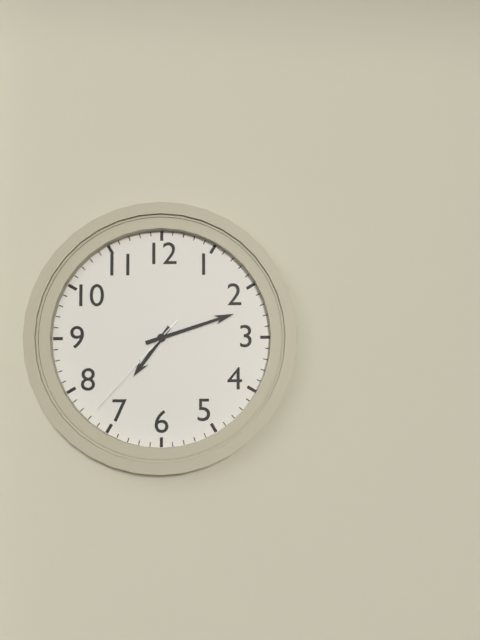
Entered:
7h12m37s
